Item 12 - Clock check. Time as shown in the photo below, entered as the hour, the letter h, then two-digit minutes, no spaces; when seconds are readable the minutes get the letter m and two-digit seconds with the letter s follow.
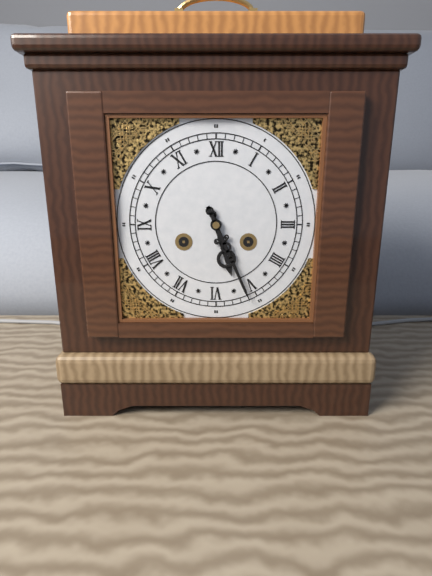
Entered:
5h26
